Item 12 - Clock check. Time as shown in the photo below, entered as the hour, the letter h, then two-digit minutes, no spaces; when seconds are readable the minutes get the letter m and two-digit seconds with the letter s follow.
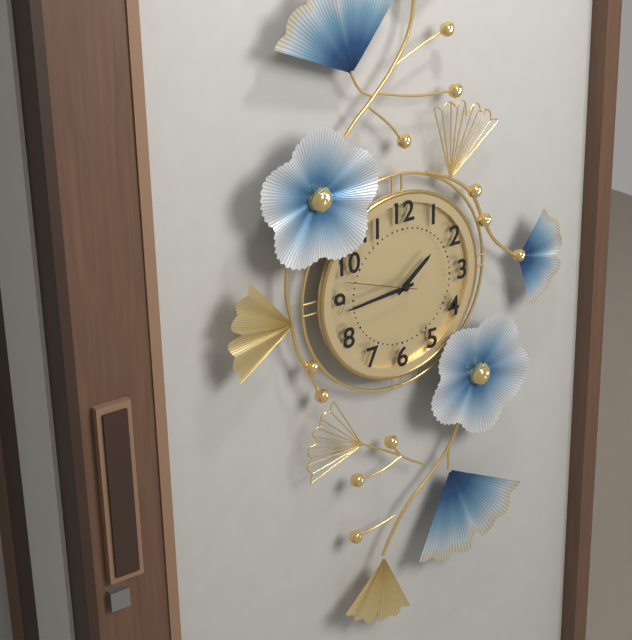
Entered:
1h44m48s
